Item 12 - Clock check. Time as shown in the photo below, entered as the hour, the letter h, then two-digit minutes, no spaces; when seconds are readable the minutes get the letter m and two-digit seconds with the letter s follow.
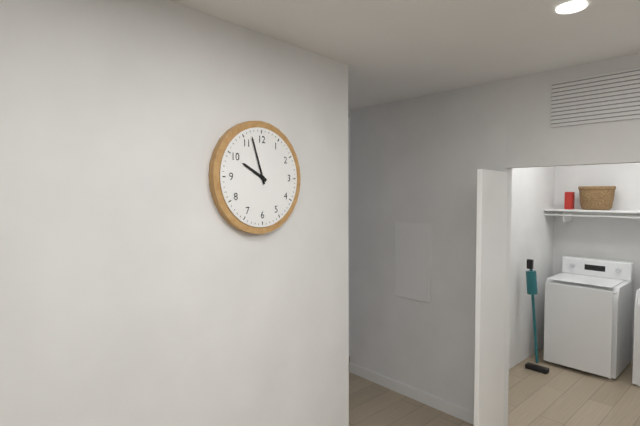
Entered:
9h57
